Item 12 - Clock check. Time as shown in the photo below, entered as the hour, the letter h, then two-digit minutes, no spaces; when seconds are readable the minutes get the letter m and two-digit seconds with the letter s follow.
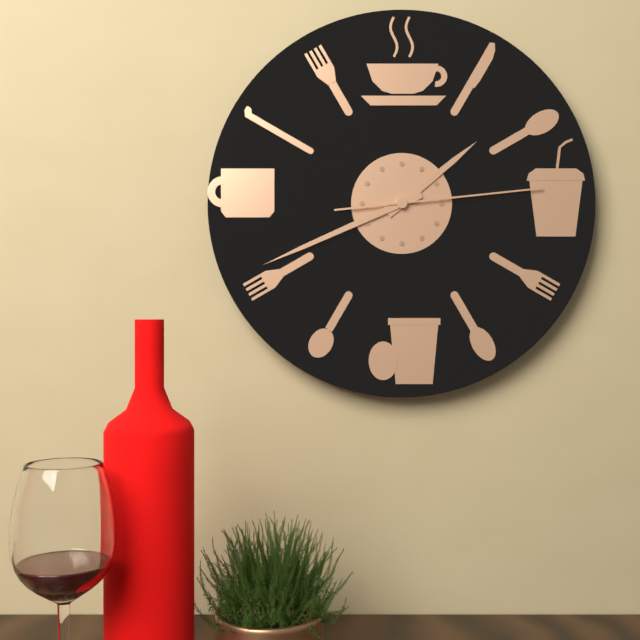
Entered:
1h41m14s
